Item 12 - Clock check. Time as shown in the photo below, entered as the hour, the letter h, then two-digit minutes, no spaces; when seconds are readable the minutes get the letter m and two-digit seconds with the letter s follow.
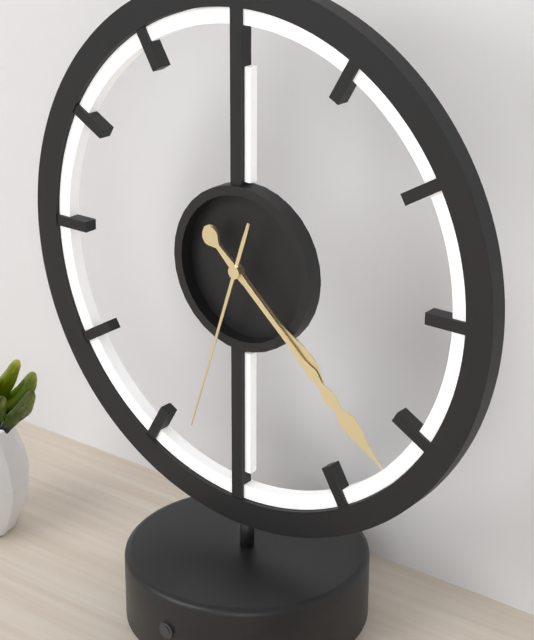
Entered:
4h22m33s
